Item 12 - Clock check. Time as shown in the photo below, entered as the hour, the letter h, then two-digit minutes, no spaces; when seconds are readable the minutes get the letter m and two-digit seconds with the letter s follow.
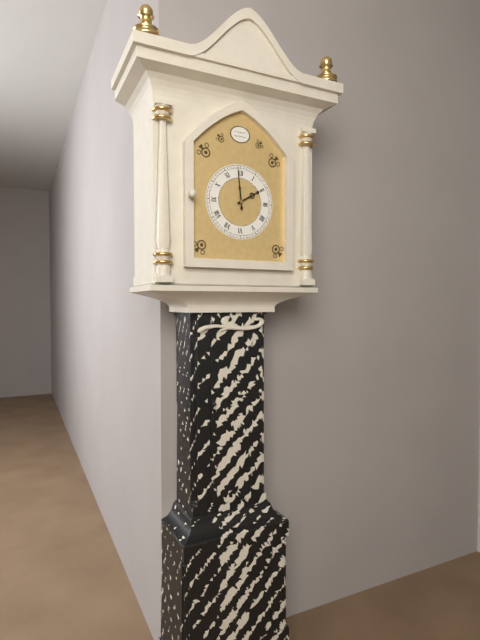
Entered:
1h59
